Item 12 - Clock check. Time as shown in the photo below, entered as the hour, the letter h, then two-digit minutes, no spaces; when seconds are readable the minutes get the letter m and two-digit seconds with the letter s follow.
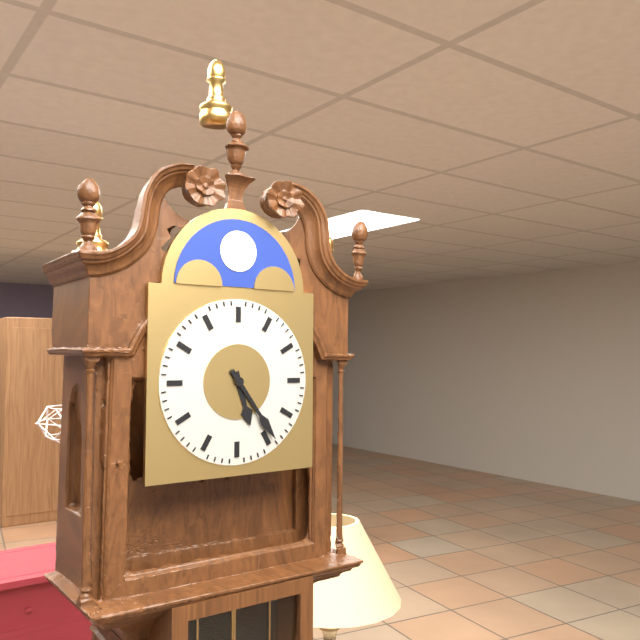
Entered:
5h24
